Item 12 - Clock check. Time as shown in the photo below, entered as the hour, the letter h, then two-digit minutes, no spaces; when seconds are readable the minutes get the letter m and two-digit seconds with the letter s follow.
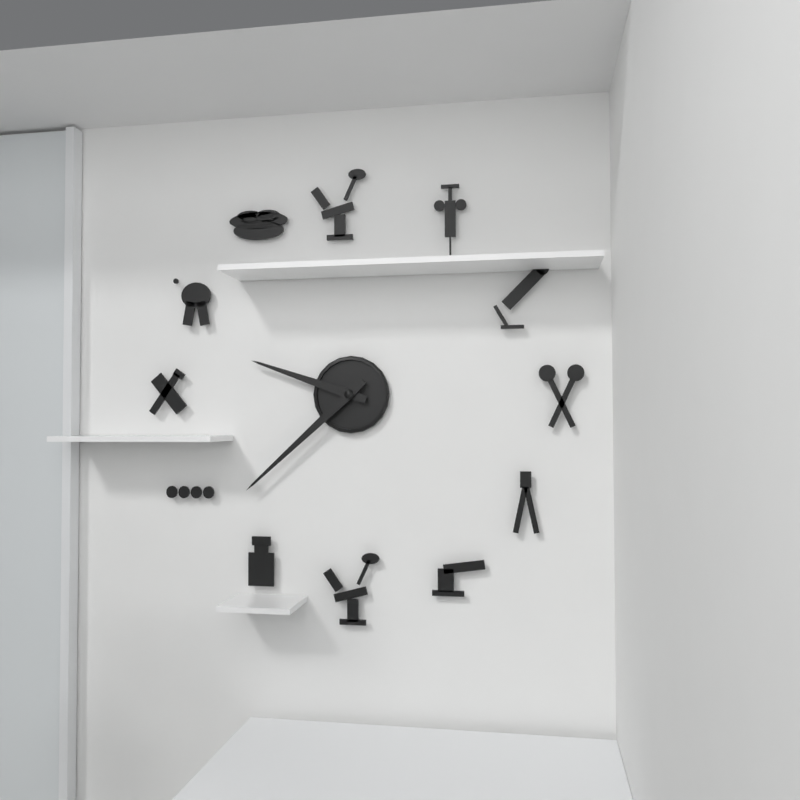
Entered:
9h38
